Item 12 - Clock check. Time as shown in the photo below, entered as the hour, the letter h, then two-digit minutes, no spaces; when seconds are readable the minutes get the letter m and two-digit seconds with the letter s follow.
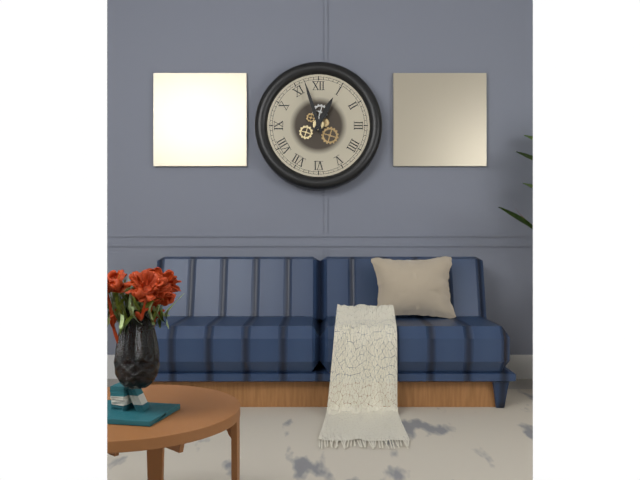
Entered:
12h57
